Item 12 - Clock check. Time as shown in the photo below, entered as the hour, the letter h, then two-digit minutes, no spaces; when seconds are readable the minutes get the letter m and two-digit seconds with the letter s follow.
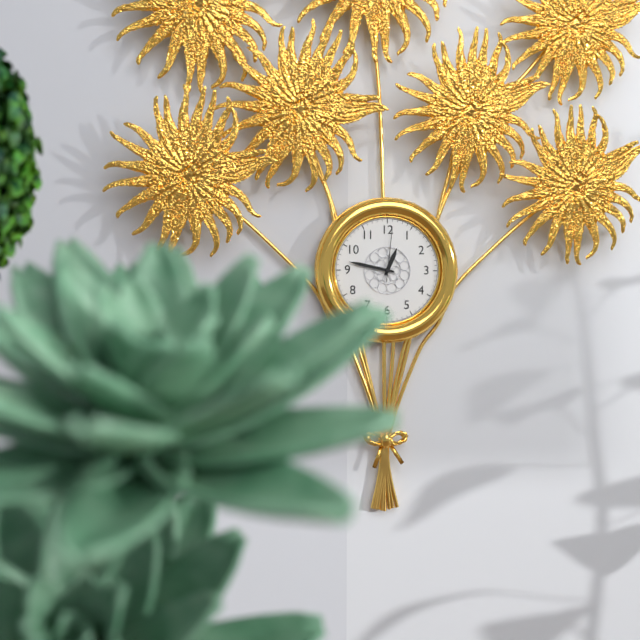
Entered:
12h47m01s
